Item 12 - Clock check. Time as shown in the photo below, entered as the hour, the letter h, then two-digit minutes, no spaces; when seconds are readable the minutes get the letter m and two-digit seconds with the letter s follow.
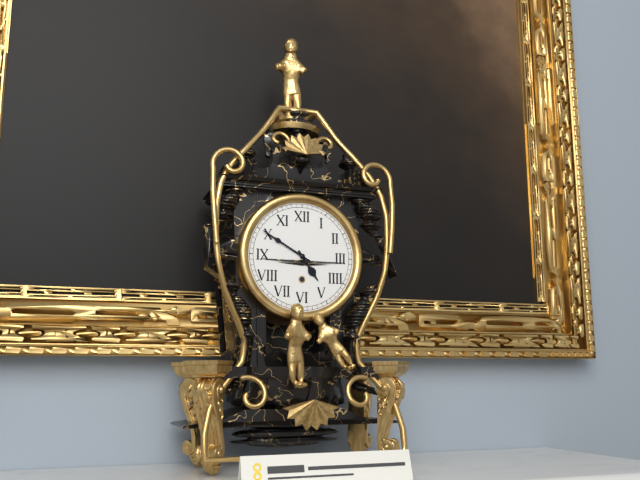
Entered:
4h50
